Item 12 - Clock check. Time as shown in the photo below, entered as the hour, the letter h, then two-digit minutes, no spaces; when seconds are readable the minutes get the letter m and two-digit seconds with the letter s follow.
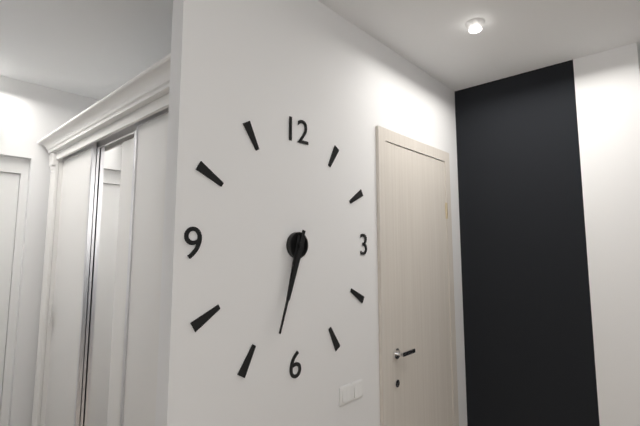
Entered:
6h33
